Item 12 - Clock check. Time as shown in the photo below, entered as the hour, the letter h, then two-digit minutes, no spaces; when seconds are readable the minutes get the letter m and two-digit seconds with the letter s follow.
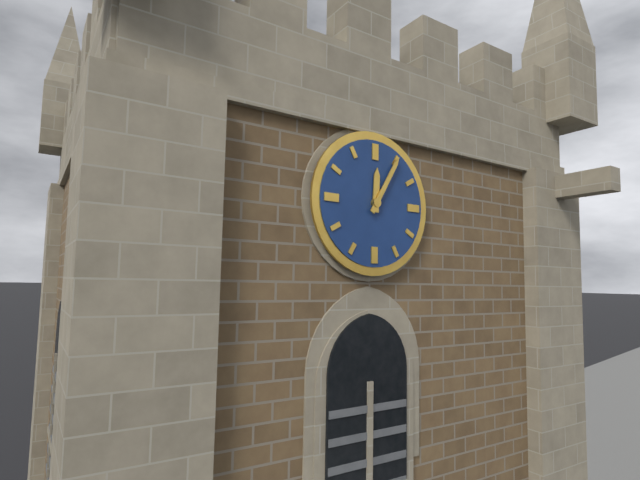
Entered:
12h05
